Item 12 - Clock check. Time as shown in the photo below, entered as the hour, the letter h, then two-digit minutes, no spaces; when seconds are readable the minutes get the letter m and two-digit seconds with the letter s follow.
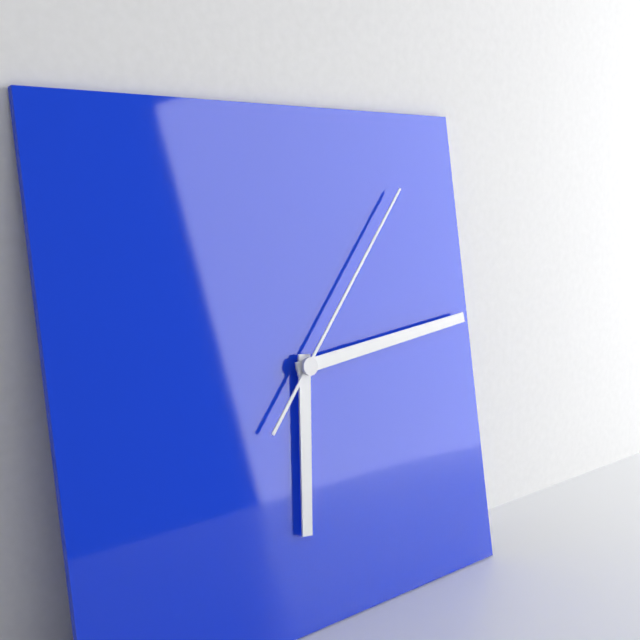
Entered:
6h14m07s
